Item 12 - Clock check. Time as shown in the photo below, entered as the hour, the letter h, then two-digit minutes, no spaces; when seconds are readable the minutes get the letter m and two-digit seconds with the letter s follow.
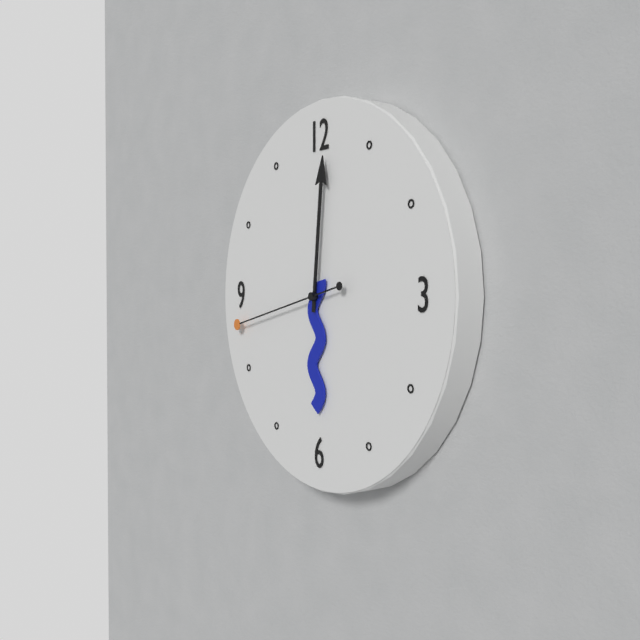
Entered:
6h01m43s
